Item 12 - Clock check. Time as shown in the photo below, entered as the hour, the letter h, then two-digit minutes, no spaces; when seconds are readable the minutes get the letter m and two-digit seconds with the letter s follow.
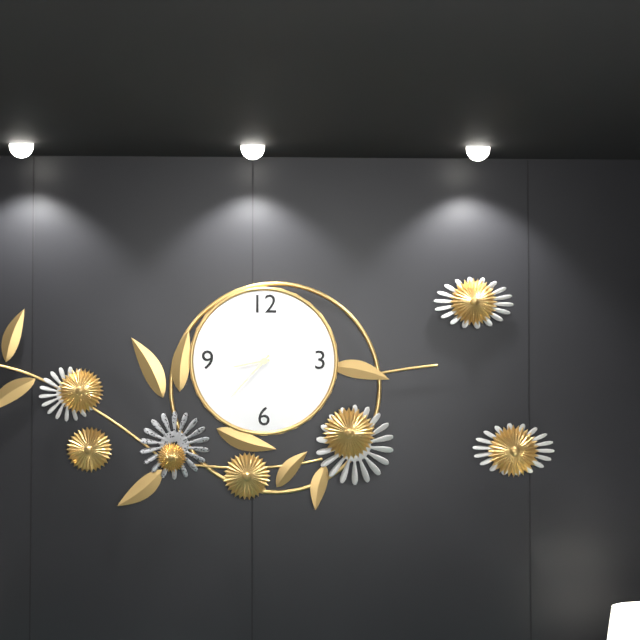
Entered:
8h37
